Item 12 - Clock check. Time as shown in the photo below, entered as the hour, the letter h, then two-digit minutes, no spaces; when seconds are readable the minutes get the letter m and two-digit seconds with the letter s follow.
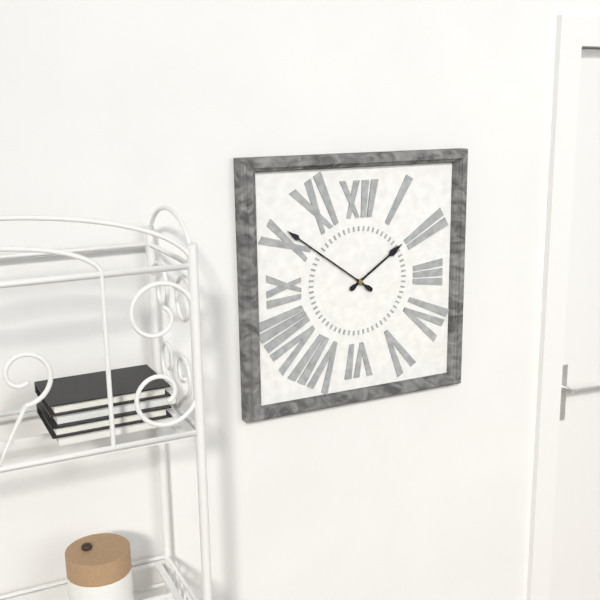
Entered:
1h51
